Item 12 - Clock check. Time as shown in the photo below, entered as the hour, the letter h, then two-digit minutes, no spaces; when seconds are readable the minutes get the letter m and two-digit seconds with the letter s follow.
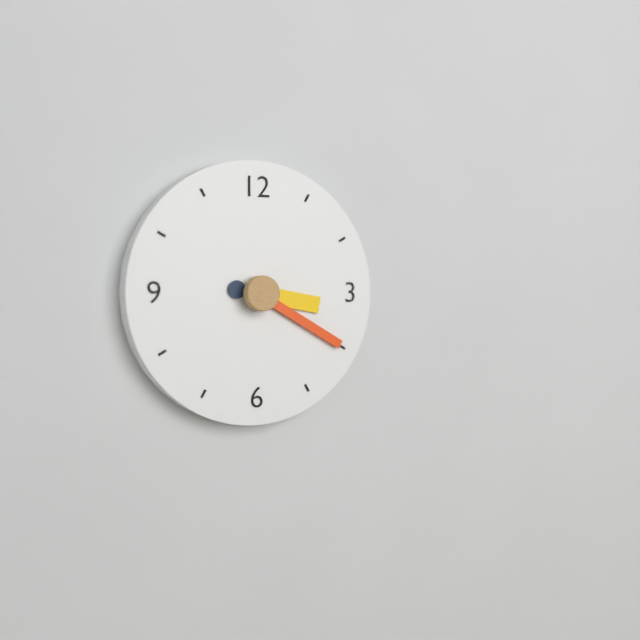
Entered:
3h20
